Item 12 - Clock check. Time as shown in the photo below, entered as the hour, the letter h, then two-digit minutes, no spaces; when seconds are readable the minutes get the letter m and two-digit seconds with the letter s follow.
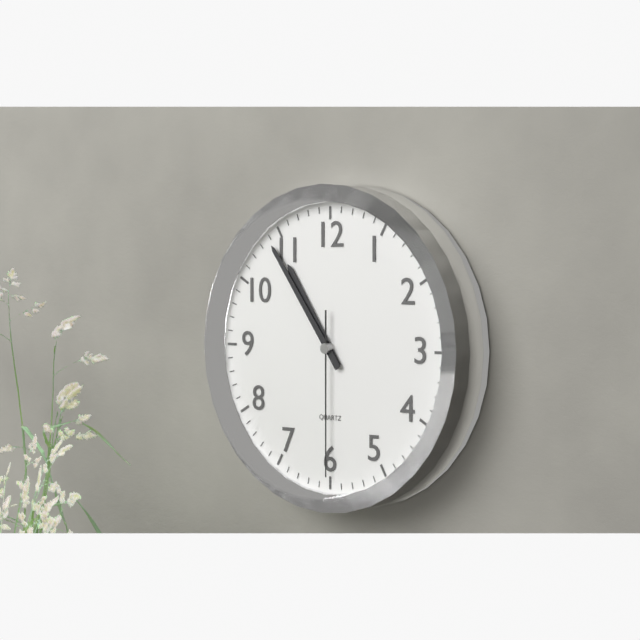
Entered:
10h54m30s
